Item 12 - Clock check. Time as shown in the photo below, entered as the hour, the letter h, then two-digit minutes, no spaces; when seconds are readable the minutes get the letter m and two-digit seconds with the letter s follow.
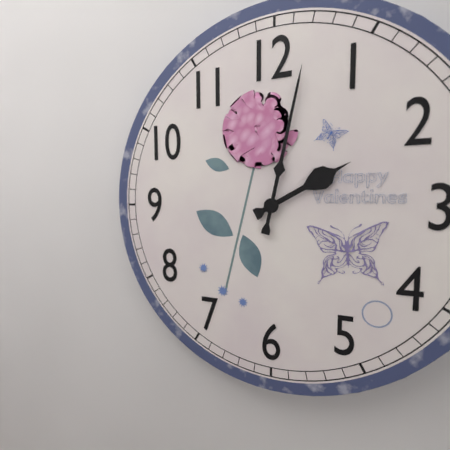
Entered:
2h02
